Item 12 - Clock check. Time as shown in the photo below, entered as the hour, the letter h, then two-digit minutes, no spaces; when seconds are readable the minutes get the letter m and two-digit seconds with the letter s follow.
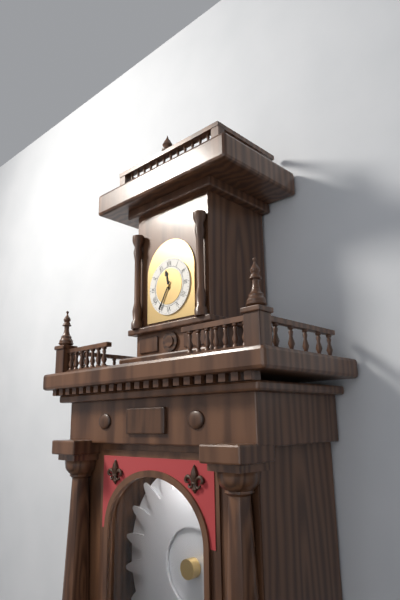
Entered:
11h35
